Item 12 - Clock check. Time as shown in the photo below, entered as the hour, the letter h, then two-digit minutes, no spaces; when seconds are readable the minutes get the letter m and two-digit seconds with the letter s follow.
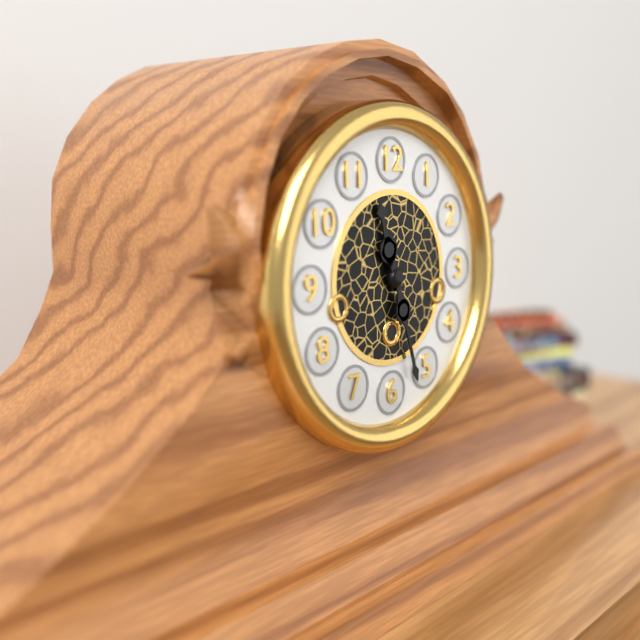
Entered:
11h27
